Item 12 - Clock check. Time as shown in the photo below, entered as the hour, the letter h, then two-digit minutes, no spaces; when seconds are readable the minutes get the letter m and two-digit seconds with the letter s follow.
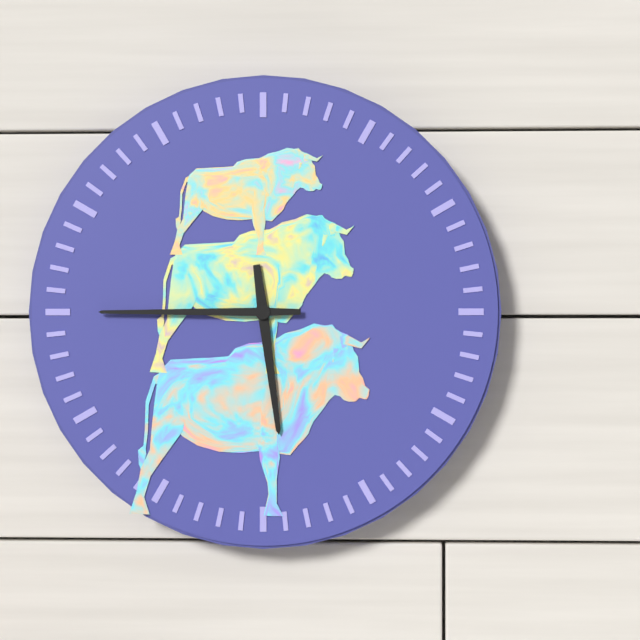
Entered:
5h45
